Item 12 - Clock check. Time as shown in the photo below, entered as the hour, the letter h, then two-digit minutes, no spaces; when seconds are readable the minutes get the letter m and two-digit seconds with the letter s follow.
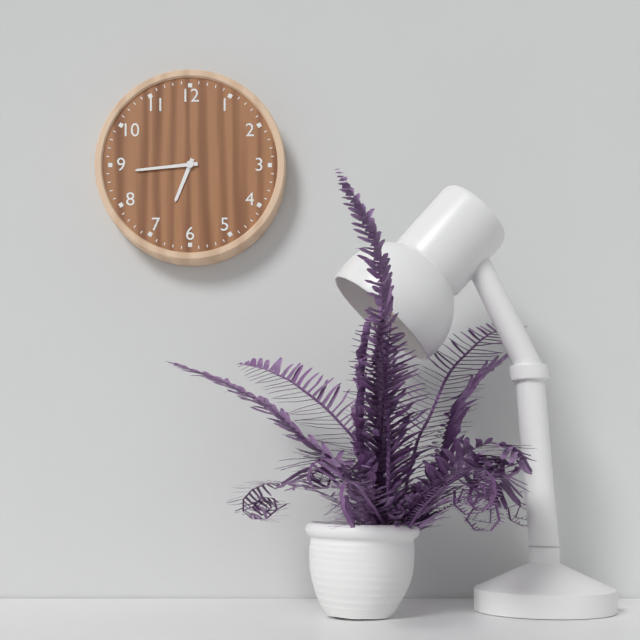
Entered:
6h44
